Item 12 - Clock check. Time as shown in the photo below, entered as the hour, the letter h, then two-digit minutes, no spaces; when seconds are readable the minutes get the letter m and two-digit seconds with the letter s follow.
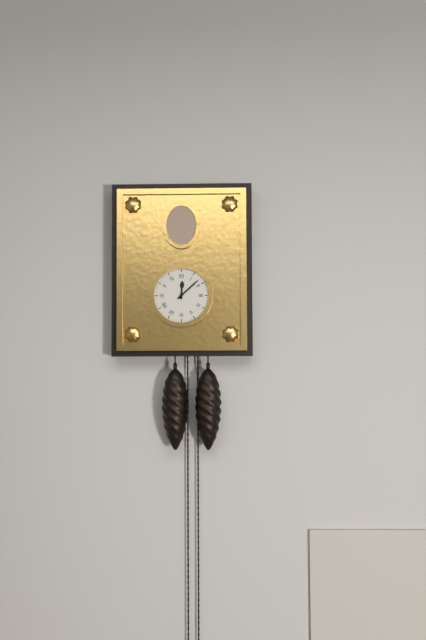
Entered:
12h08
